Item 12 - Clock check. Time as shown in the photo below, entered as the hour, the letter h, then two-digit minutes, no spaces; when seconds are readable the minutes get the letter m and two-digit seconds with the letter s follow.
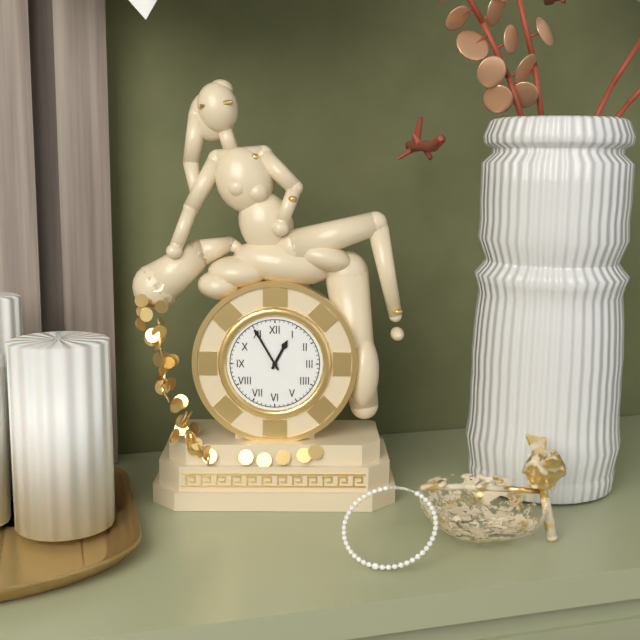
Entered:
12h55
